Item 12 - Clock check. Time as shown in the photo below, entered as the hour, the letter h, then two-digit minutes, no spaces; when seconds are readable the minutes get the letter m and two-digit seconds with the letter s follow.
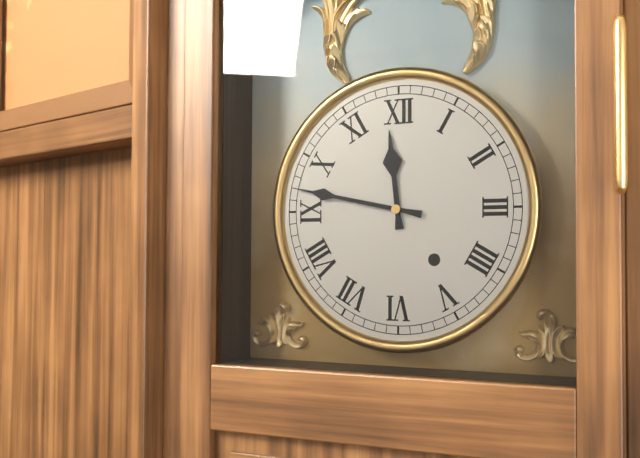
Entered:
11h47
